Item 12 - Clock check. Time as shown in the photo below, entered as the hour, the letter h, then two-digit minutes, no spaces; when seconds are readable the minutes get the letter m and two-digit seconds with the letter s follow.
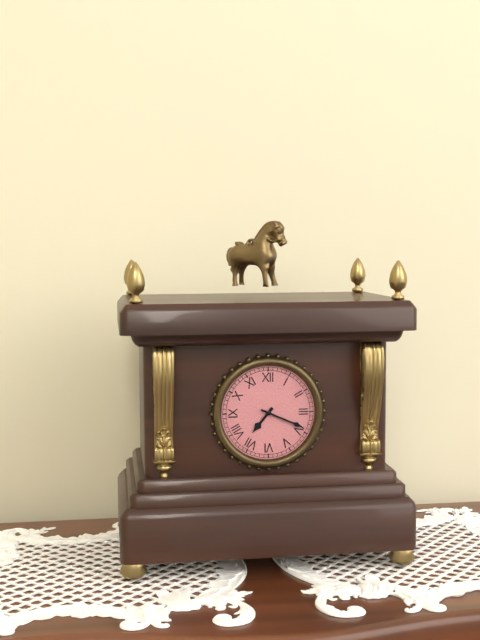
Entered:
7h19
